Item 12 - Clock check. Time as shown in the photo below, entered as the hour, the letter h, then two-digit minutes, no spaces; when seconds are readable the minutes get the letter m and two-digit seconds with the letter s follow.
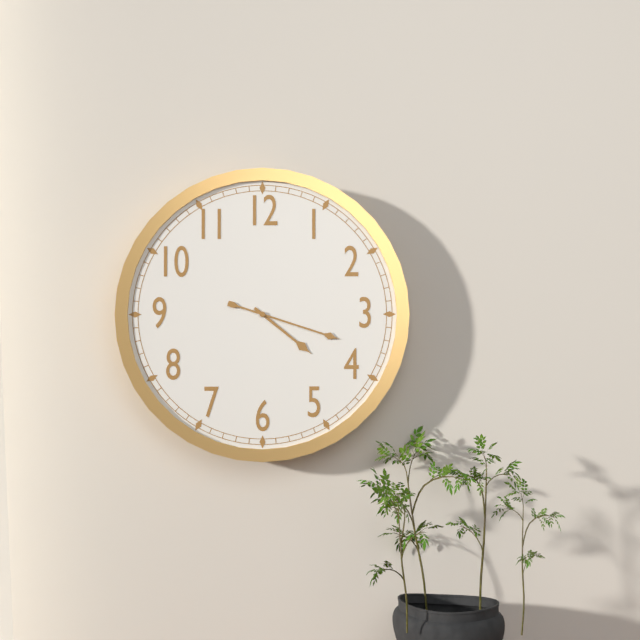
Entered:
4h18
